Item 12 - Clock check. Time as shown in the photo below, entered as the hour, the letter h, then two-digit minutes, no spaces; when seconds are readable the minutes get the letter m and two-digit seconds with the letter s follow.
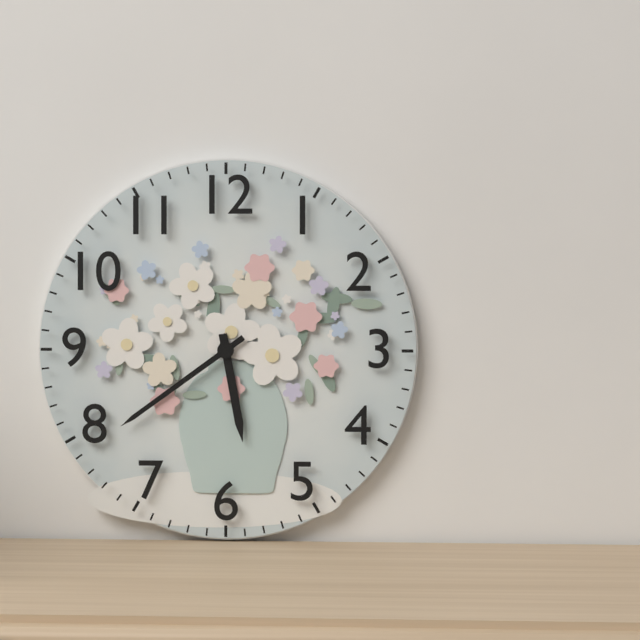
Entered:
5h39
